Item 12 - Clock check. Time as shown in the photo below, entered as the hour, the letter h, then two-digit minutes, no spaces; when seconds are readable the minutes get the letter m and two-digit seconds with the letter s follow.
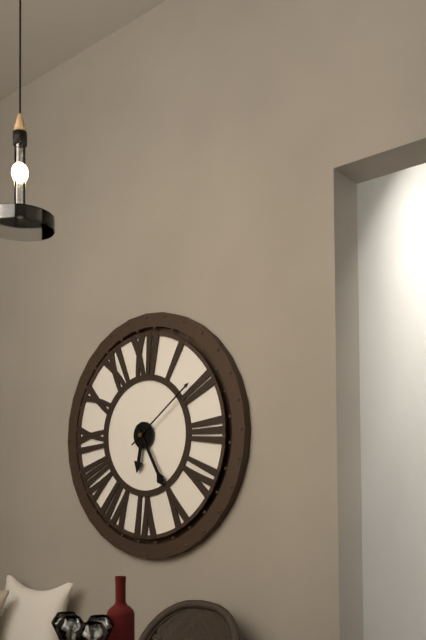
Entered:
6h25m09s
